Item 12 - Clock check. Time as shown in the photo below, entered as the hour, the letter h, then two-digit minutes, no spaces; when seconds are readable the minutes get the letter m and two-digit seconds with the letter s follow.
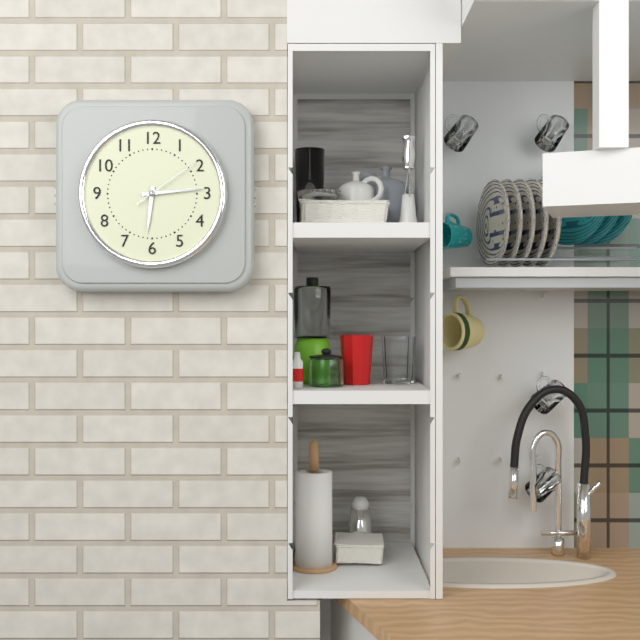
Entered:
6h14m09s
